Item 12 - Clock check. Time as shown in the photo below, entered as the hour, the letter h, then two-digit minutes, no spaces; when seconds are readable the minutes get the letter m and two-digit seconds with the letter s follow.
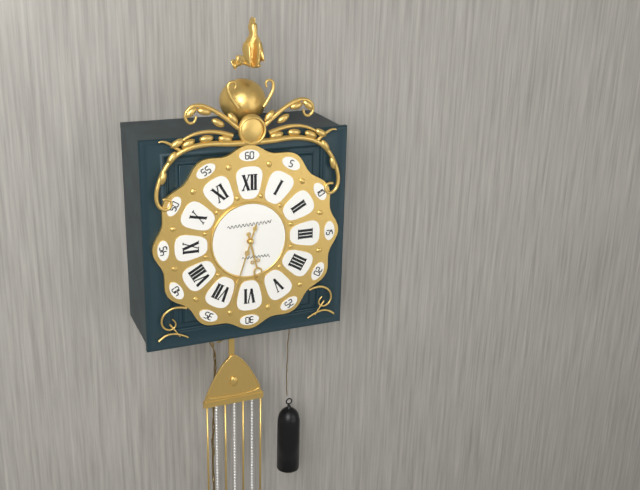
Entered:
5h33
